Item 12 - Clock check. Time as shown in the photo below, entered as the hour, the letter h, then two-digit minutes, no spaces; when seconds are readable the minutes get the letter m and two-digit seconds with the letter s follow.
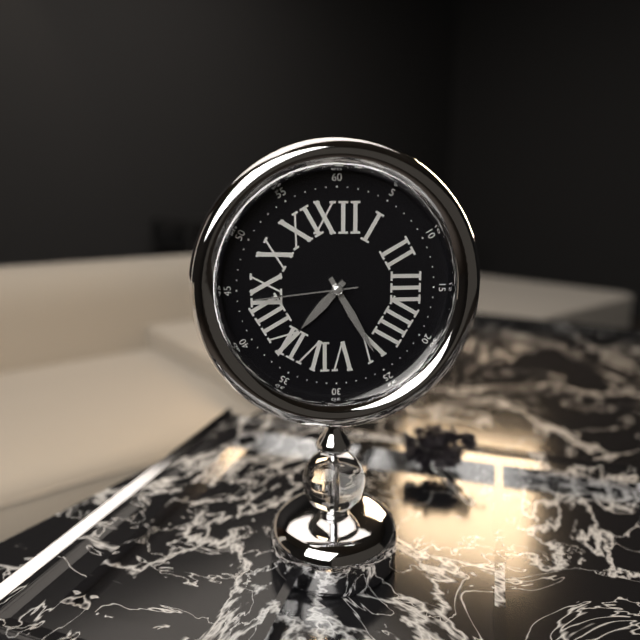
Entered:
7h25m44s
